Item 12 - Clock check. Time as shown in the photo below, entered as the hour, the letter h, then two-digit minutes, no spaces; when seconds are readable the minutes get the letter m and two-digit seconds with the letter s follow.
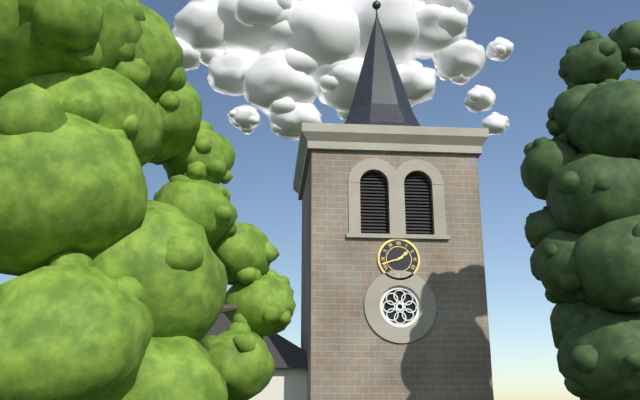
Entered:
1h42
